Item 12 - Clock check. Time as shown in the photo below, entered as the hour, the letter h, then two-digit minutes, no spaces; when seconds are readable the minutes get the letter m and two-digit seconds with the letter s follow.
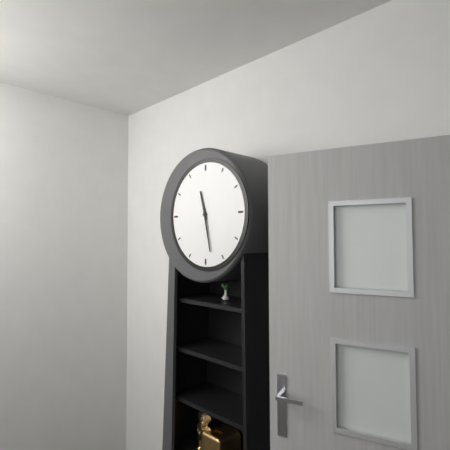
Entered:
11h28
